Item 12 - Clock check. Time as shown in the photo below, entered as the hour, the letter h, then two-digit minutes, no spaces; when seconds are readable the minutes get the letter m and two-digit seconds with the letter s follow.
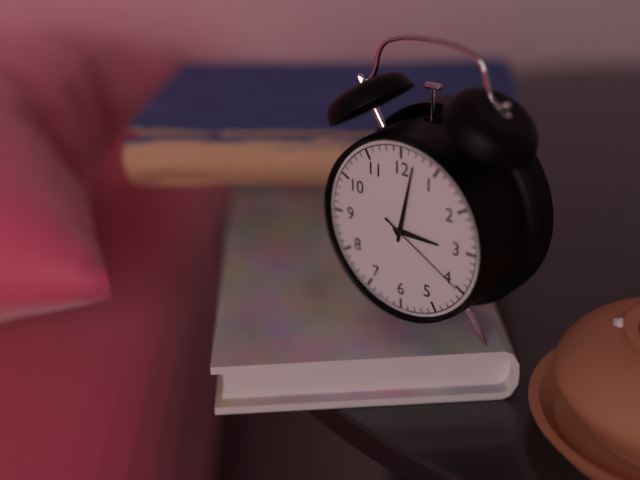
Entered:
3h02m20s
